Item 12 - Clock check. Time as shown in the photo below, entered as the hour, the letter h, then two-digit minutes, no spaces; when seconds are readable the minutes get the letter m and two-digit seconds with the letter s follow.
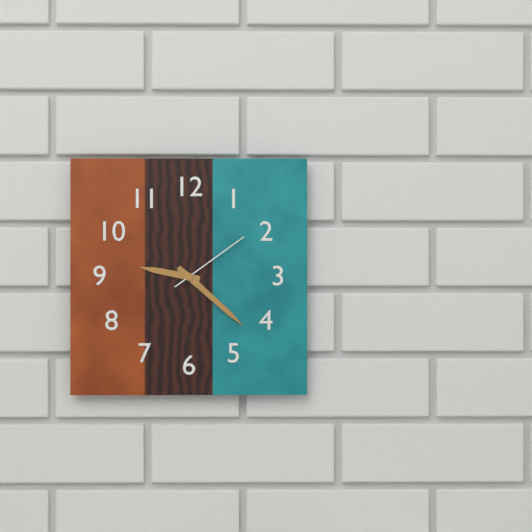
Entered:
9h22m09s
